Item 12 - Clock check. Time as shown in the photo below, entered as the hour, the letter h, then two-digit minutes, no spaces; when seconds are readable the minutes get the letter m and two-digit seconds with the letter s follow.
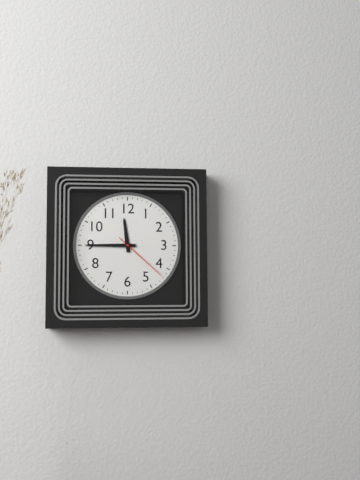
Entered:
11h45m22s
